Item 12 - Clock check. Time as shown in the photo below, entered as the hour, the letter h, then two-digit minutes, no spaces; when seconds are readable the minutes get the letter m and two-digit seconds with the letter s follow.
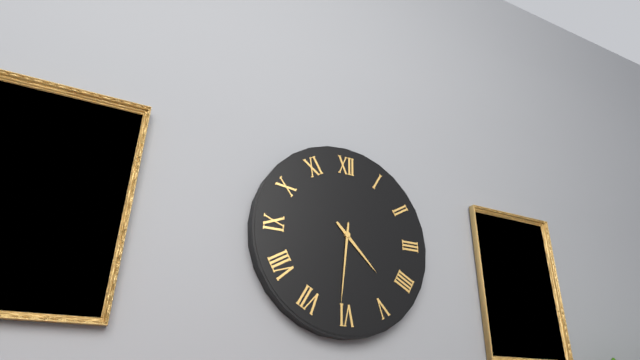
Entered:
4h31
